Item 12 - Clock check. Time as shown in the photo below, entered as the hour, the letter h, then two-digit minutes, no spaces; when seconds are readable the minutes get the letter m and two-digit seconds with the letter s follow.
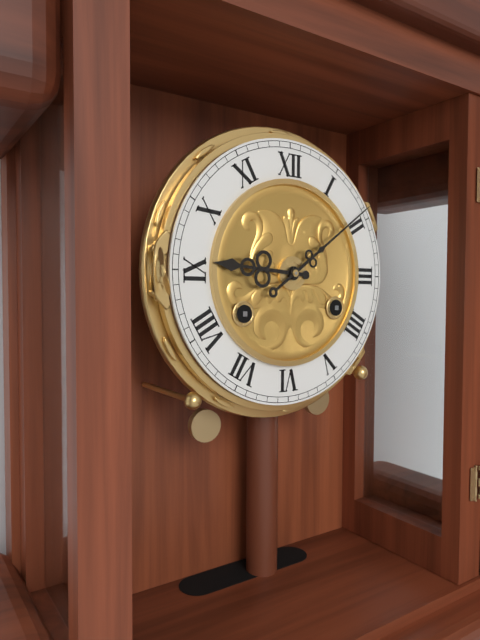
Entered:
9h09
